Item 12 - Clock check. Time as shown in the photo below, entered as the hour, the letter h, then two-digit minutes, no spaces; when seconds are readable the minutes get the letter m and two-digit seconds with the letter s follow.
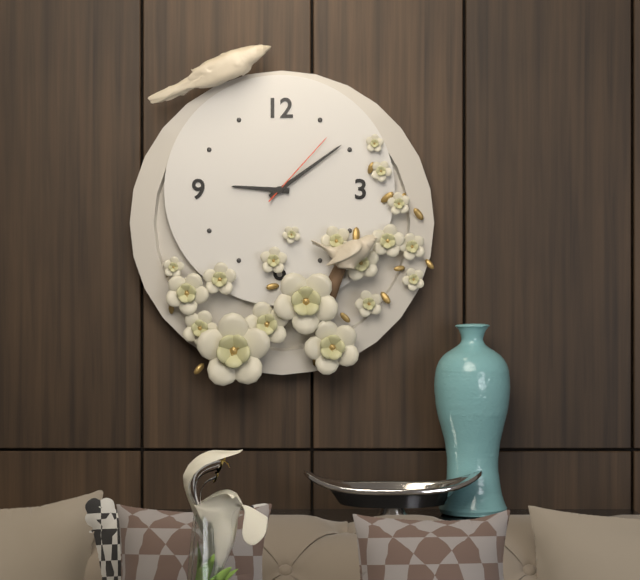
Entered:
9h09m07s
